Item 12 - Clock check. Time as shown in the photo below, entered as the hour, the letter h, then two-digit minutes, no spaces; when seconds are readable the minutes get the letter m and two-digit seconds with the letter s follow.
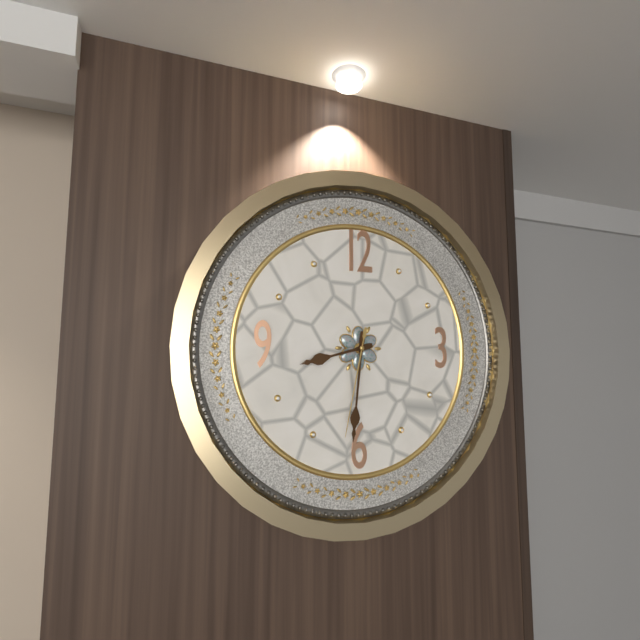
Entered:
8h31m32s
